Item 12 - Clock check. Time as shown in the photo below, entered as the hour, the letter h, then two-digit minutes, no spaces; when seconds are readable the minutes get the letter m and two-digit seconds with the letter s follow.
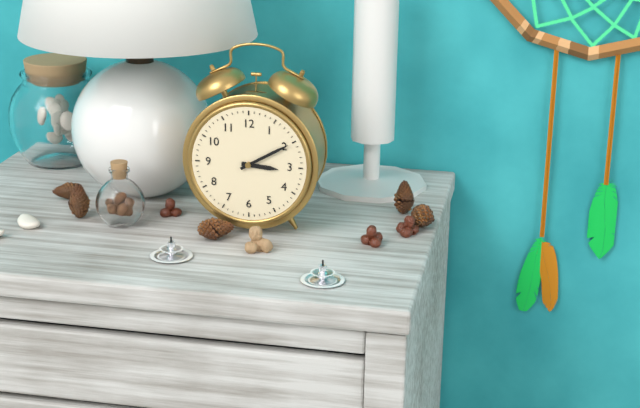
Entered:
3h10
